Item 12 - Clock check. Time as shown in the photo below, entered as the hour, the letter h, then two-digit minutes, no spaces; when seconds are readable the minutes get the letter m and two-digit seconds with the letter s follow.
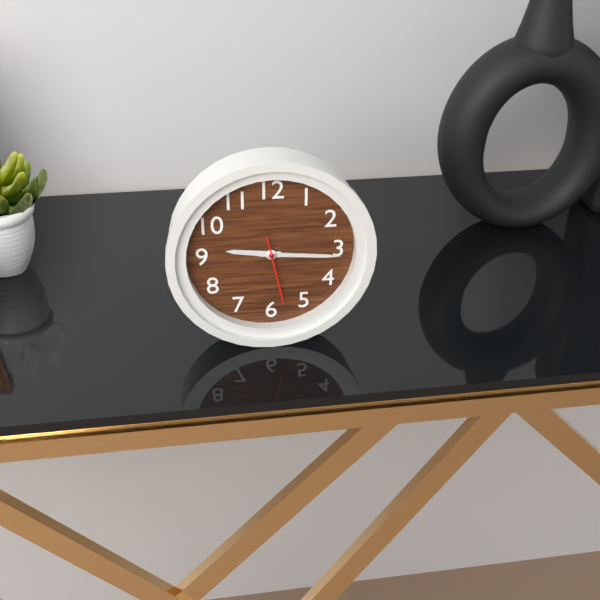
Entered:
9h16m28s
